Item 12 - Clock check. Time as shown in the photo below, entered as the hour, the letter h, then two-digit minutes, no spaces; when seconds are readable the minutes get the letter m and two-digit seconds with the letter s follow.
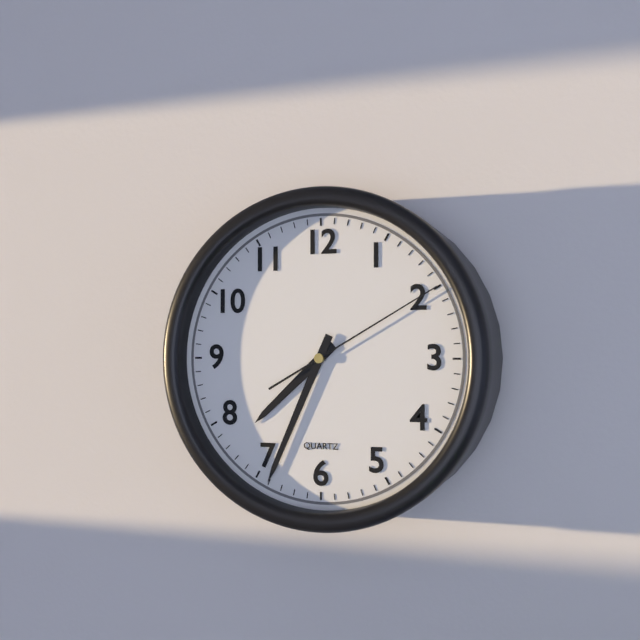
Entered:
7h34m10s
